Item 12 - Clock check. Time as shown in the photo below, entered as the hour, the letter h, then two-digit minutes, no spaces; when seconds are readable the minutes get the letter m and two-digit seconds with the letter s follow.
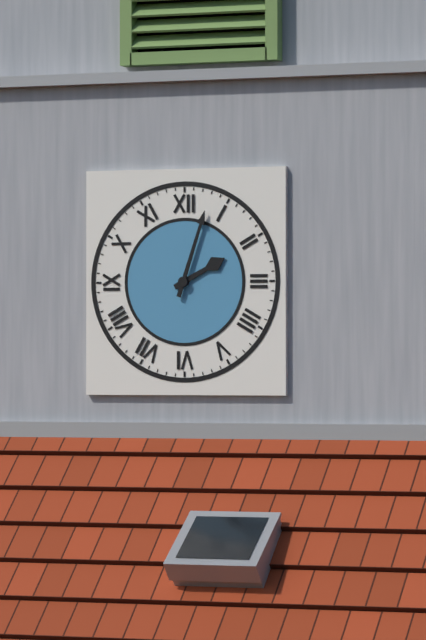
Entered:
2h03
